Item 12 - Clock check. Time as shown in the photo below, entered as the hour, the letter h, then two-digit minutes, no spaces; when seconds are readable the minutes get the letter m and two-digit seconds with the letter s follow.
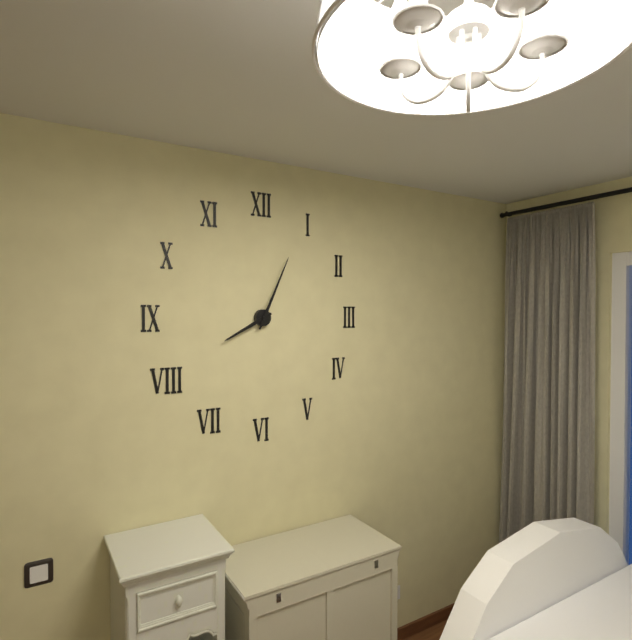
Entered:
8h04
